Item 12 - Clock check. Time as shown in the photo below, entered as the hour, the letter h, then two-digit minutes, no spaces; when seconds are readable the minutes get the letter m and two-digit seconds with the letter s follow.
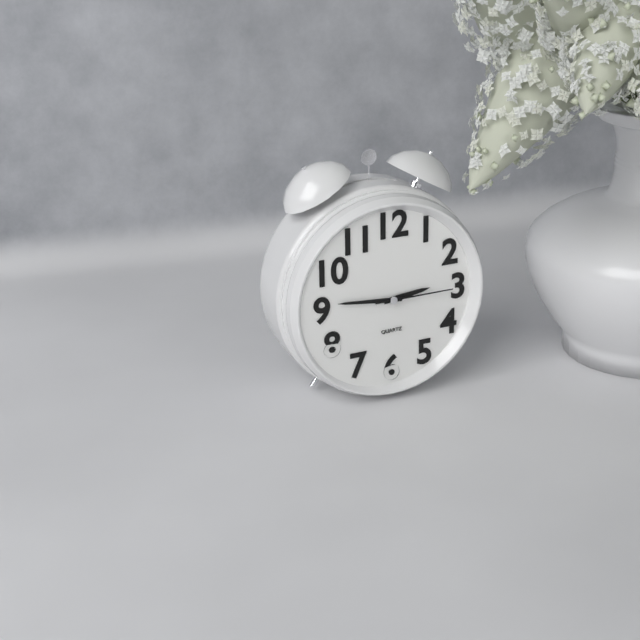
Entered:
2h46m15s
